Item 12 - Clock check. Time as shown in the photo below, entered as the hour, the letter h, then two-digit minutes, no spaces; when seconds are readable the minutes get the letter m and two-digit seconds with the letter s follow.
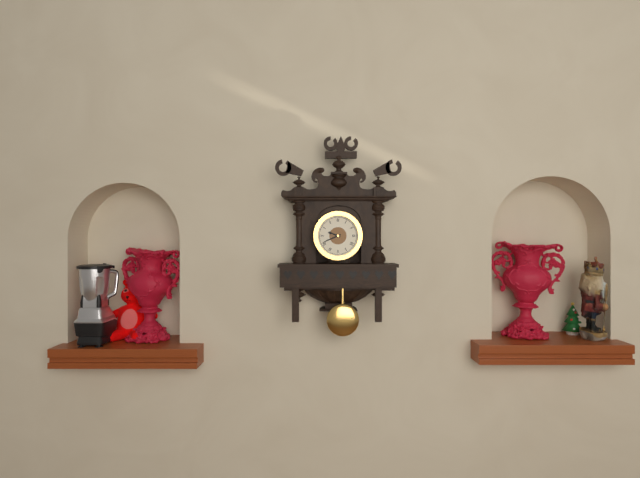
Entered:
9h41
